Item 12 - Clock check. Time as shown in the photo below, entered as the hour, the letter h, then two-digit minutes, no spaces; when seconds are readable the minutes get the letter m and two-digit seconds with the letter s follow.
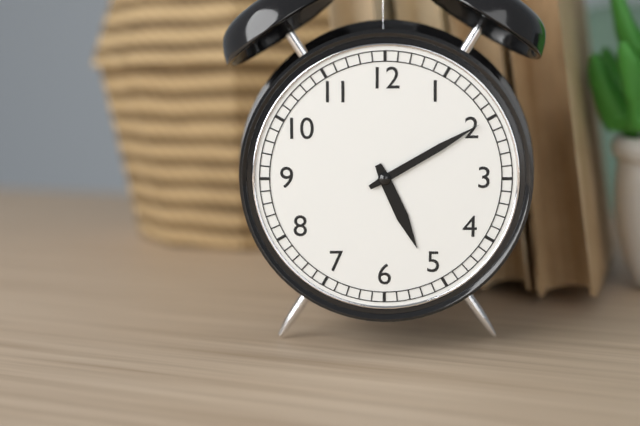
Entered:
5h10
